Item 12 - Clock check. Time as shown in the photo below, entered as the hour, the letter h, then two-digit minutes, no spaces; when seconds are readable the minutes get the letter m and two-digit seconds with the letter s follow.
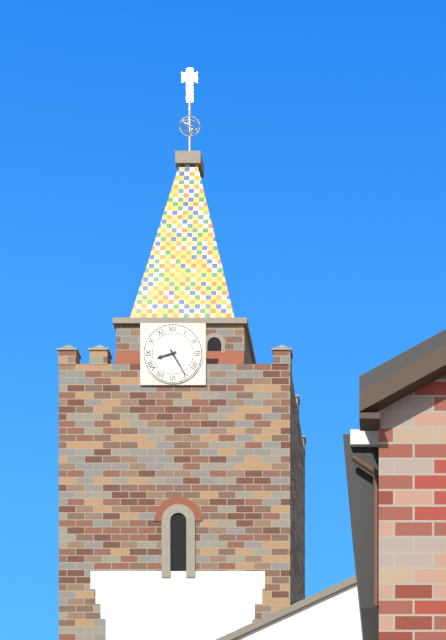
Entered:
8h25
